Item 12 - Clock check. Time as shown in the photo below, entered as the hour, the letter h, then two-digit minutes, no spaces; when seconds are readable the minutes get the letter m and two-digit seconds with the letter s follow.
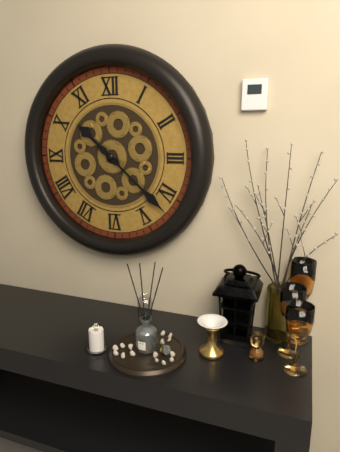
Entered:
10h22
